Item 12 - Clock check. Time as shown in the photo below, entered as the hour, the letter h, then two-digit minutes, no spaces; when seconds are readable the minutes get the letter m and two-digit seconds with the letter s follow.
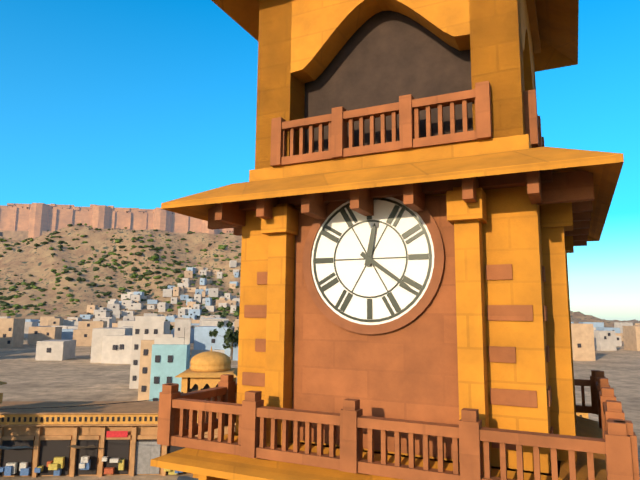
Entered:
12h21
